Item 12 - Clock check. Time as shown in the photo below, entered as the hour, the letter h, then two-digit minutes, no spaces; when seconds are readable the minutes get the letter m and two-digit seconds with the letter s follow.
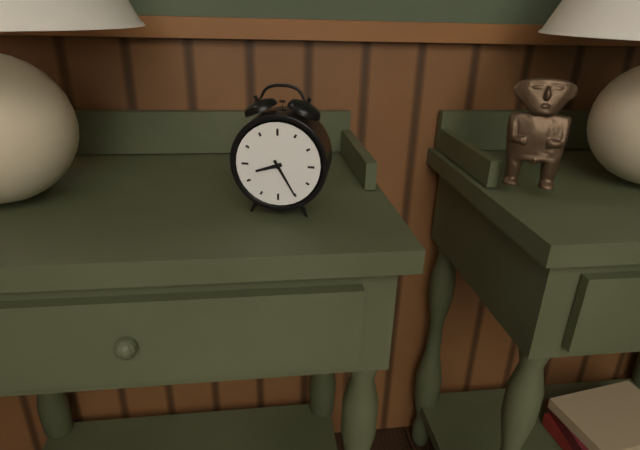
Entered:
8h25
